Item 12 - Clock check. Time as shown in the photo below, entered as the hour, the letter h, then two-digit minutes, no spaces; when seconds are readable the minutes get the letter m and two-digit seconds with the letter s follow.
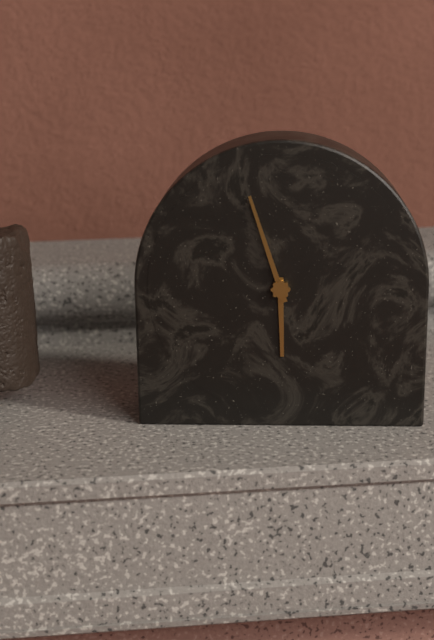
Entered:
5h57
